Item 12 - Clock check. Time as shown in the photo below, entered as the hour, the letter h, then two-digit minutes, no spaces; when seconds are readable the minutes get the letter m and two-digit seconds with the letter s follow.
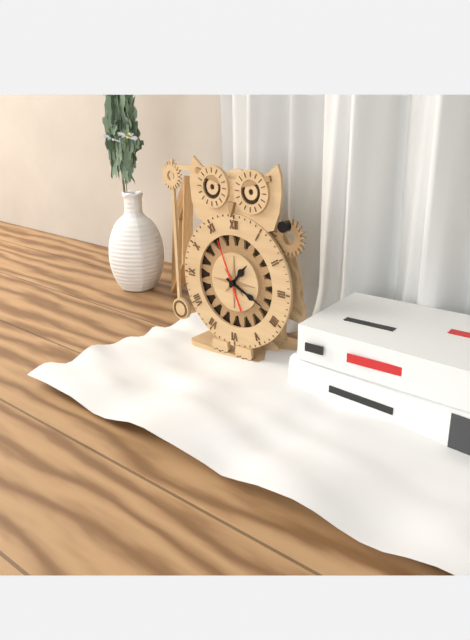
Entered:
1h19m56s
